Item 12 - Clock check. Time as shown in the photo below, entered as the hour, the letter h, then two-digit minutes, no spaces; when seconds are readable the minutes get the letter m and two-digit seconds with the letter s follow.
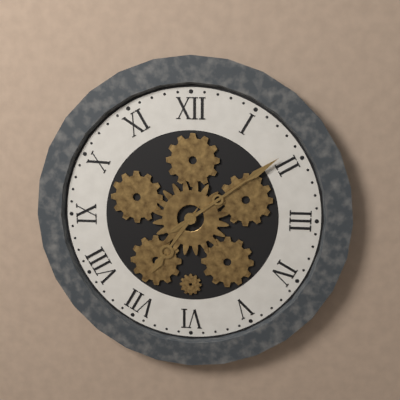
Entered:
7h09
